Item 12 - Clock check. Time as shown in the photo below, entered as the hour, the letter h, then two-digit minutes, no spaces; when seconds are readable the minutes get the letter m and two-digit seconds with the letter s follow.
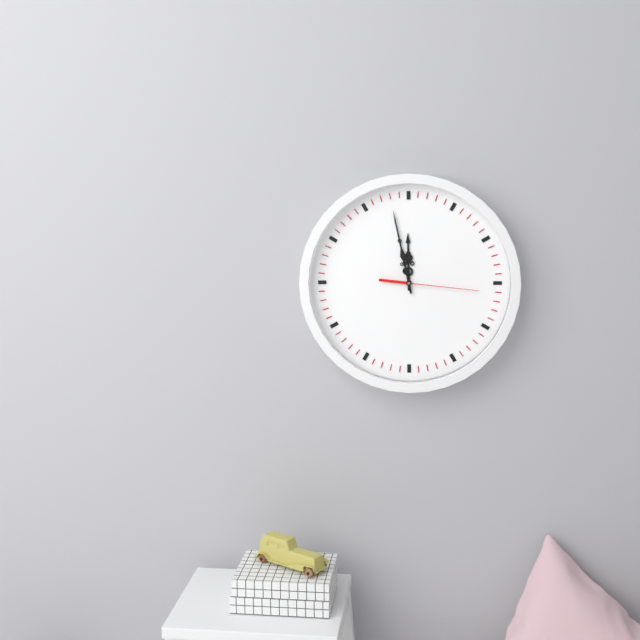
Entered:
11h58m16s
